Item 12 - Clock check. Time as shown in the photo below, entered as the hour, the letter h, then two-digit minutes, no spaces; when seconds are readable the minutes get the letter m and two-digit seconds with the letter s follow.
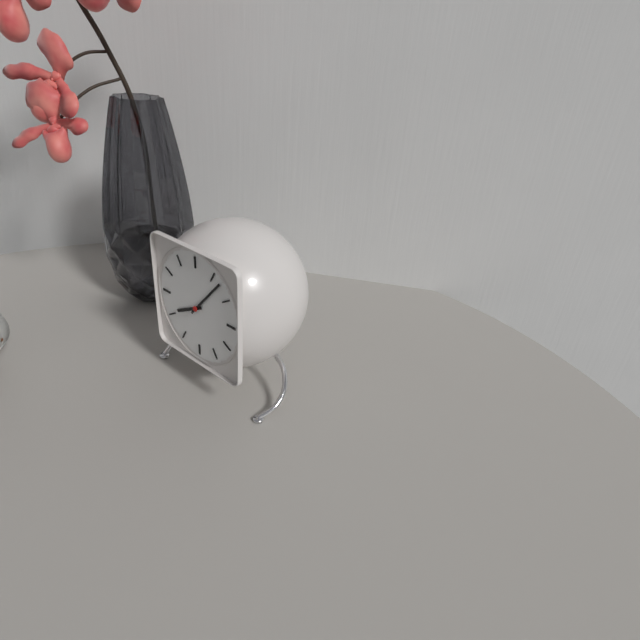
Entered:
8h07
